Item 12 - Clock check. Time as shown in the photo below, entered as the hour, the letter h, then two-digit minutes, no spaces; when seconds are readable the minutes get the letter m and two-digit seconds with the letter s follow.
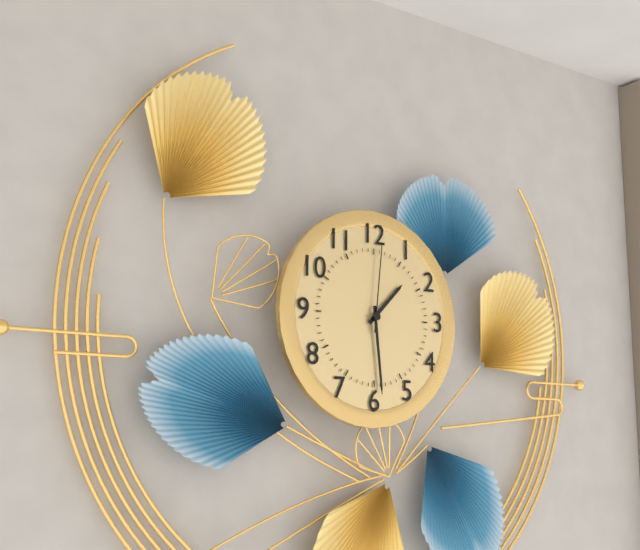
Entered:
1h29m01s
